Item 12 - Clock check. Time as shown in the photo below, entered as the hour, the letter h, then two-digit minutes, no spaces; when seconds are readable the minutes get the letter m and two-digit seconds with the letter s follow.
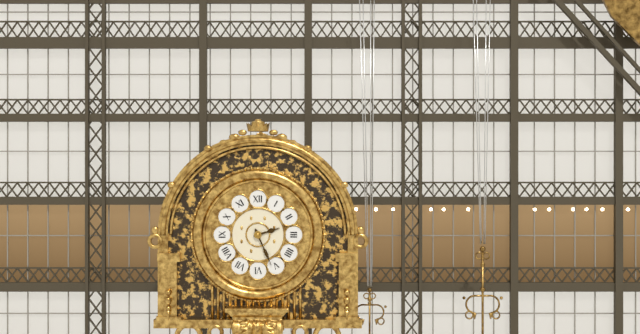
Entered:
2h26
